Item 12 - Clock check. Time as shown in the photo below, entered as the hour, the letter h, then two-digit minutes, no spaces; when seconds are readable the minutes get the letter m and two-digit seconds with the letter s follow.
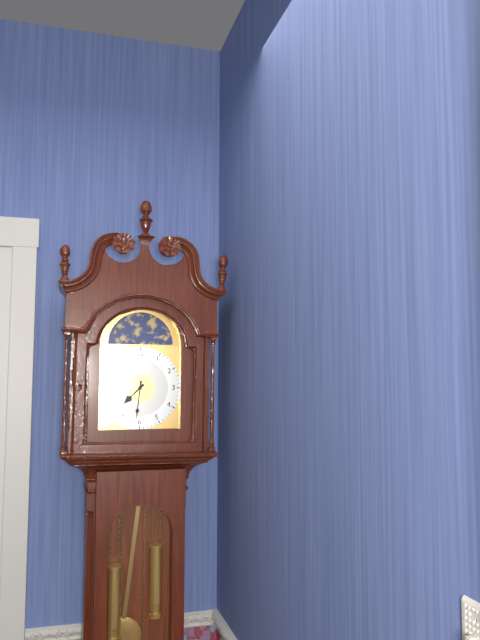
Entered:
7h31
